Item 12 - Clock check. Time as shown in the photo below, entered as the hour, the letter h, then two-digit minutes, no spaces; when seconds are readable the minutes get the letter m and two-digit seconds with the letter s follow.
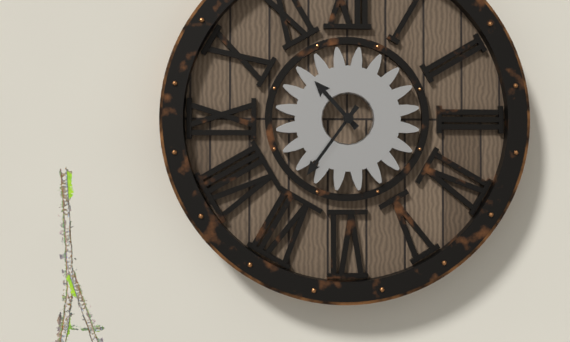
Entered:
10h36
